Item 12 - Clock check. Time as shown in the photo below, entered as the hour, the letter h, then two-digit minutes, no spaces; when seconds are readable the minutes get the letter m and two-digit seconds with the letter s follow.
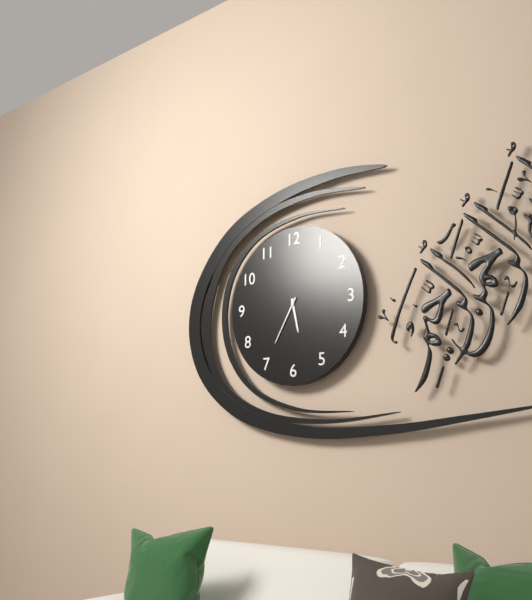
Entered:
5h35
